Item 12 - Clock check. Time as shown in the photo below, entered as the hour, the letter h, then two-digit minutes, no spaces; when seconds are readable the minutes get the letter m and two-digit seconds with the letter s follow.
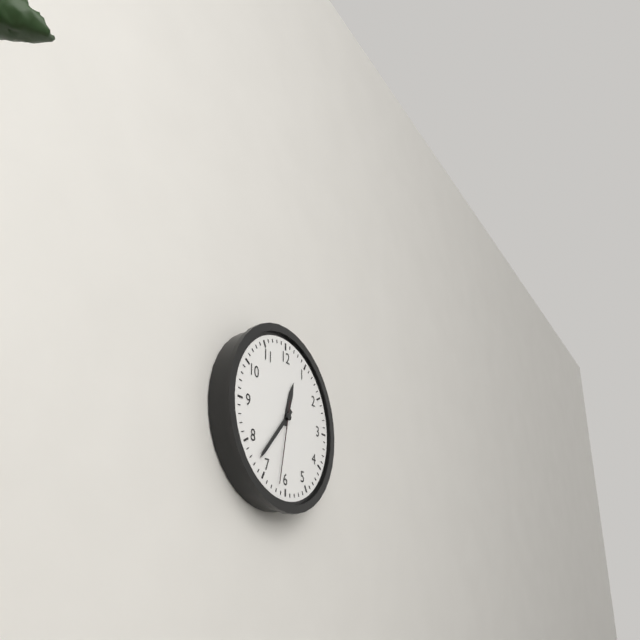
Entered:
12h37m32s
